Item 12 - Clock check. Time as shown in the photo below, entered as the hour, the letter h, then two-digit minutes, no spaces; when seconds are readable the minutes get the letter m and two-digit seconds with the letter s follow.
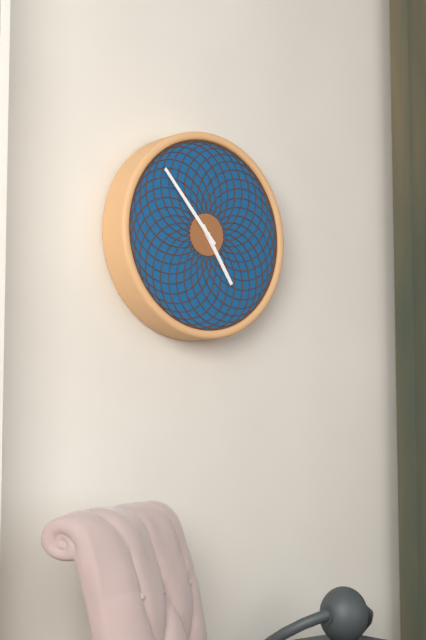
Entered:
4h53
